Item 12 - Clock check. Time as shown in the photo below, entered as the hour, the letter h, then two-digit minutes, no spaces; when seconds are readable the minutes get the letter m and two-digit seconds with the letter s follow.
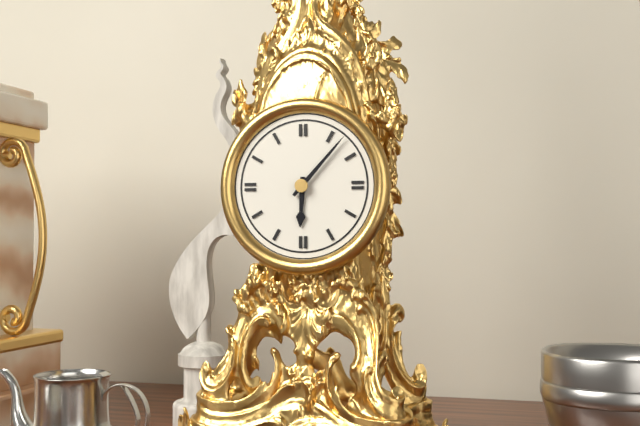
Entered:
6h07
